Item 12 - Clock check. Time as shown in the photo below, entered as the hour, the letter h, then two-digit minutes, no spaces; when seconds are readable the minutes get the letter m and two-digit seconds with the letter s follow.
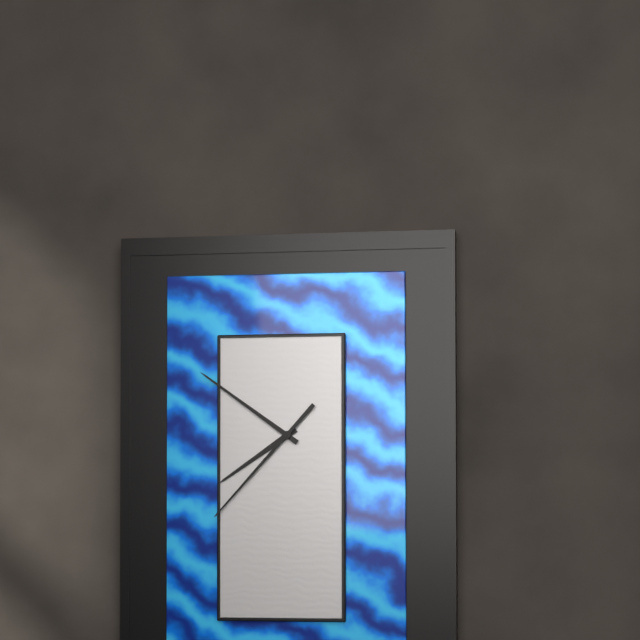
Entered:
7h51m37s
